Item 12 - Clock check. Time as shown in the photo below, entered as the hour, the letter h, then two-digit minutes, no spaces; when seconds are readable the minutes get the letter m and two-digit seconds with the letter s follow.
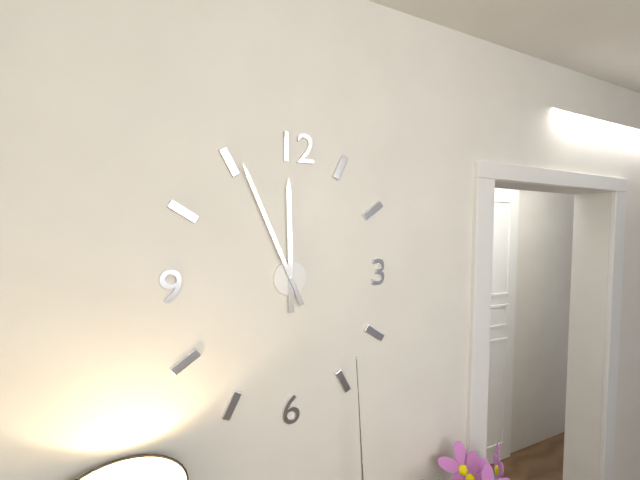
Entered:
11h56
